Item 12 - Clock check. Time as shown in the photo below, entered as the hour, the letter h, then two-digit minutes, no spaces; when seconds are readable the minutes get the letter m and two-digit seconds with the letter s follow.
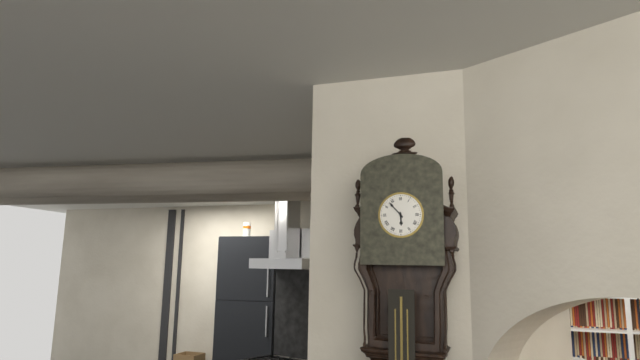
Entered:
5h53
